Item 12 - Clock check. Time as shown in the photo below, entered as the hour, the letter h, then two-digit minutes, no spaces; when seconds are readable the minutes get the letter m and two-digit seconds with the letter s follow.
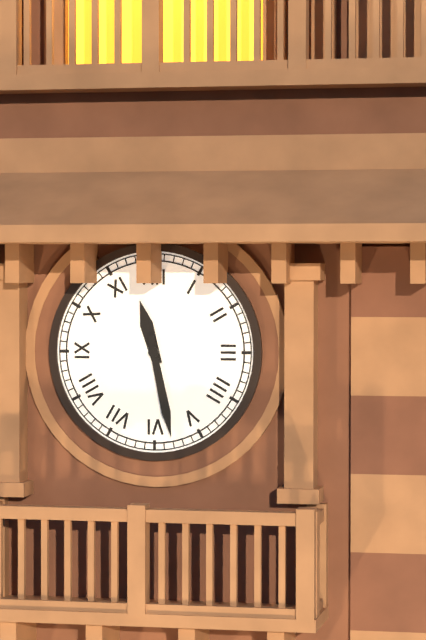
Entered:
11h28
